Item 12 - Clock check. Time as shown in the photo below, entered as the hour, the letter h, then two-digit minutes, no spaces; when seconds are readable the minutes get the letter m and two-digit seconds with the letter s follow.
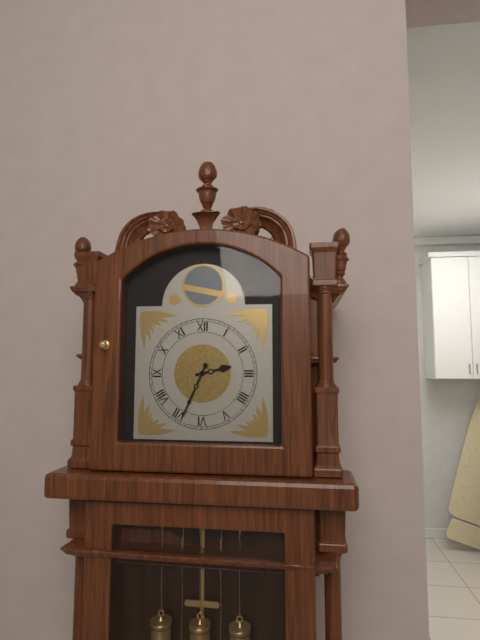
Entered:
2h34
